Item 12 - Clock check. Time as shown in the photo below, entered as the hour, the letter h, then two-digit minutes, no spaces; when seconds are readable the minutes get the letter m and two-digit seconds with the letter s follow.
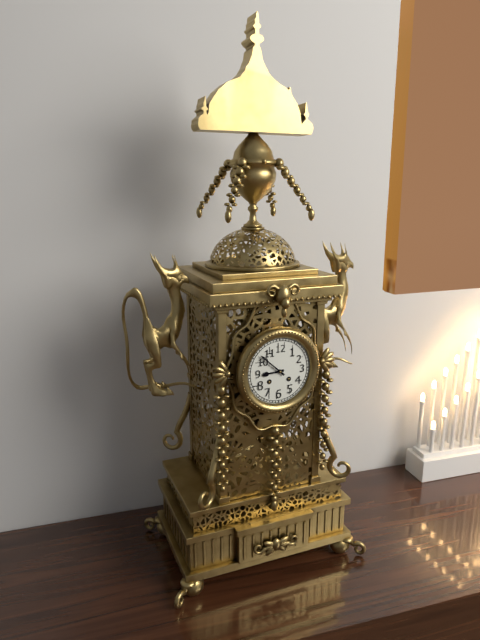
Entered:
8h52
